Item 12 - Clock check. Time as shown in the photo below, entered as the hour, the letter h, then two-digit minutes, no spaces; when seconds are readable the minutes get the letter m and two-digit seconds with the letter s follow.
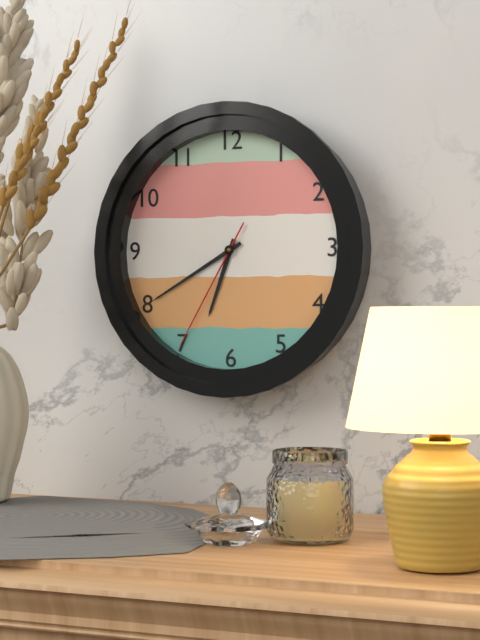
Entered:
6h40m35s
